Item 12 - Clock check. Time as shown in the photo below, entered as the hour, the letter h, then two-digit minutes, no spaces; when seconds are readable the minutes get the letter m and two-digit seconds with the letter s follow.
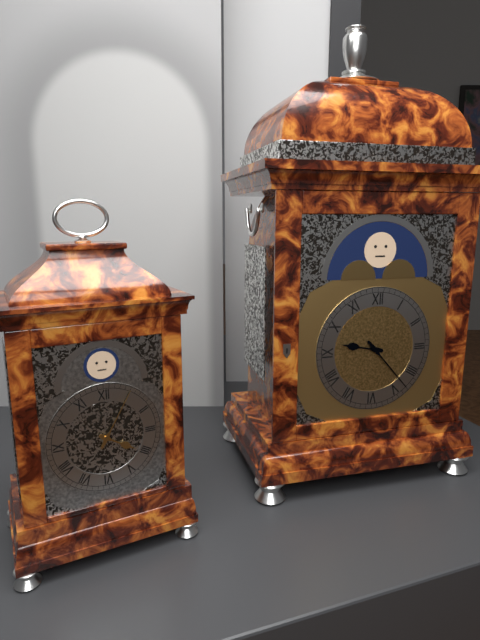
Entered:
9h23
